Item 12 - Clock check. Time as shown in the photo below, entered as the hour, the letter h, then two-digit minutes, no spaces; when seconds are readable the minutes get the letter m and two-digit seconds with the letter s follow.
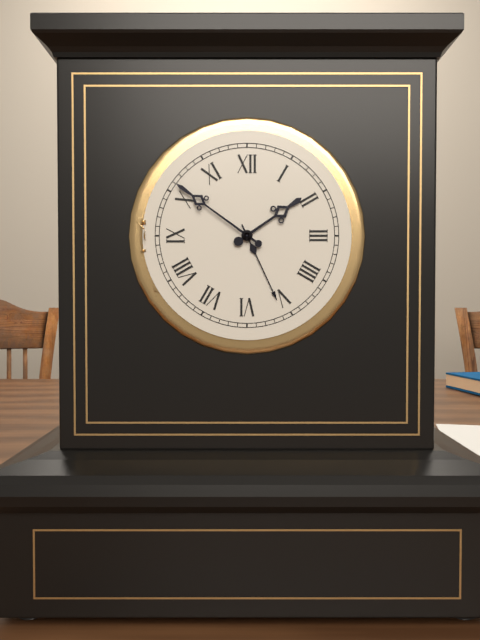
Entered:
1h51
